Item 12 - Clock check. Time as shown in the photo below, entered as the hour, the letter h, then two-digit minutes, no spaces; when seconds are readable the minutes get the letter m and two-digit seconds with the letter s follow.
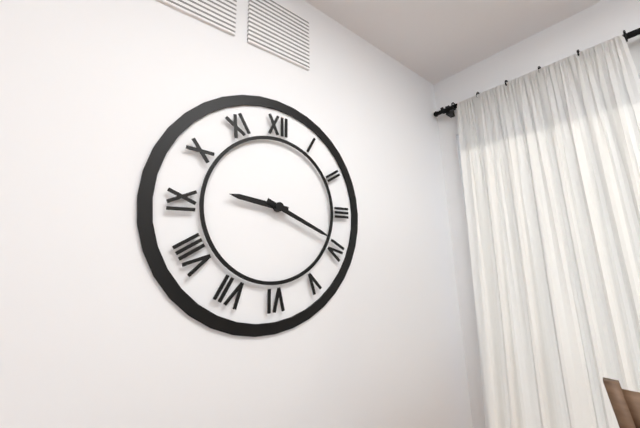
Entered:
9h19
